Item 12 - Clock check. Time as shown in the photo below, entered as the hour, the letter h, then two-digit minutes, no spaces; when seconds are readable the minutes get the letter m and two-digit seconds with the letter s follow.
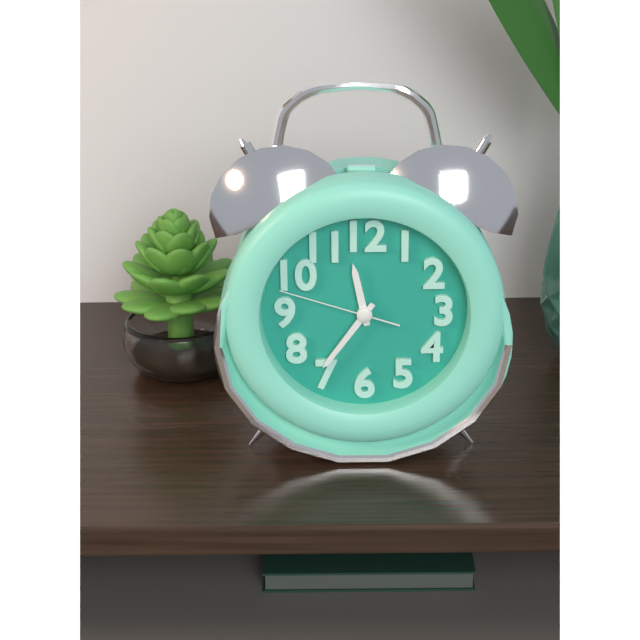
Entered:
11h36m48s
